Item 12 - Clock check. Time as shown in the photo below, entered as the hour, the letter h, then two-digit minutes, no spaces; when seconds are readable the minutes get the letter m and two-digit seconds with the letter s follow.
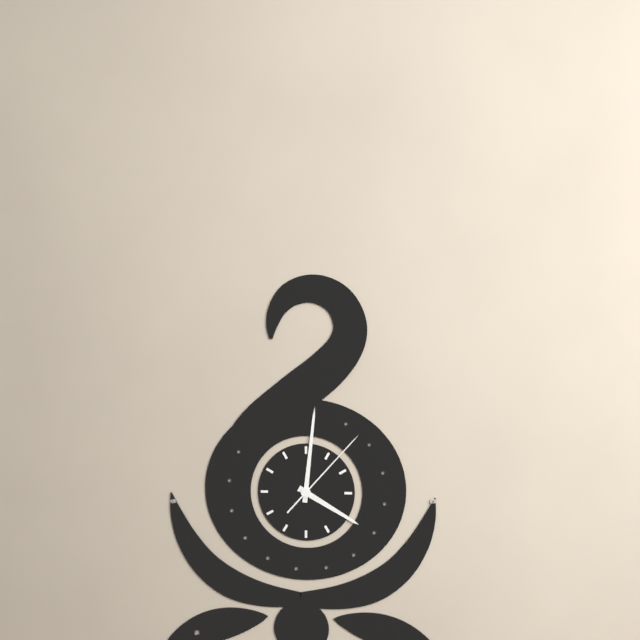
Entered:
4h01m07s
